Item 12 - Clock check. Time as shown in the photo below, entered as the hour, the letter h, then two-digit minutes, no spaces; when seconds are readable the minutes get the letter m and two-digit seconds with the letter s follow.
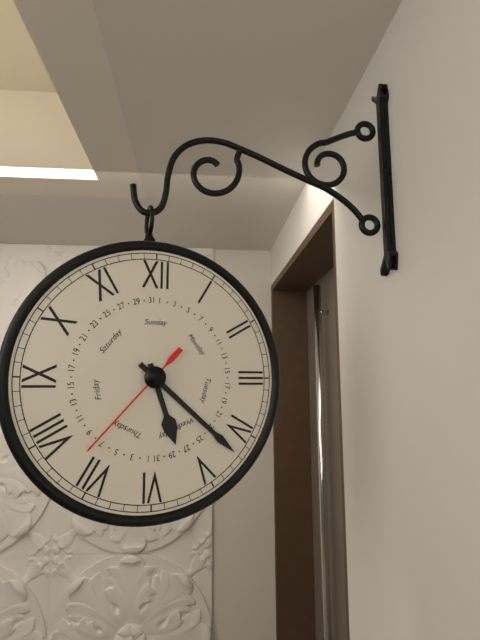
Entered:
5h22m37s
